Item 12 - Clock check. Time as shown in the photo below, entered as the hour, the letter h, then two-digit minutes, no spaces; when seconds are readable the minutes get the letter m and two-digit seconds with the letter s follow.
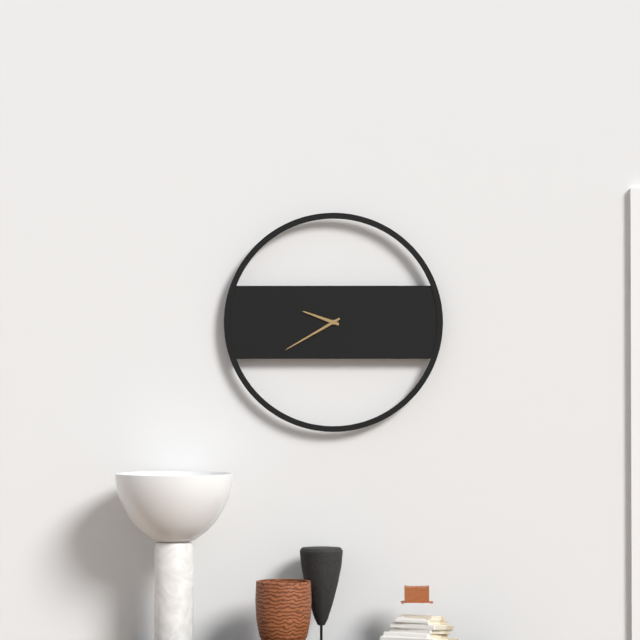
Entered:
9h40
